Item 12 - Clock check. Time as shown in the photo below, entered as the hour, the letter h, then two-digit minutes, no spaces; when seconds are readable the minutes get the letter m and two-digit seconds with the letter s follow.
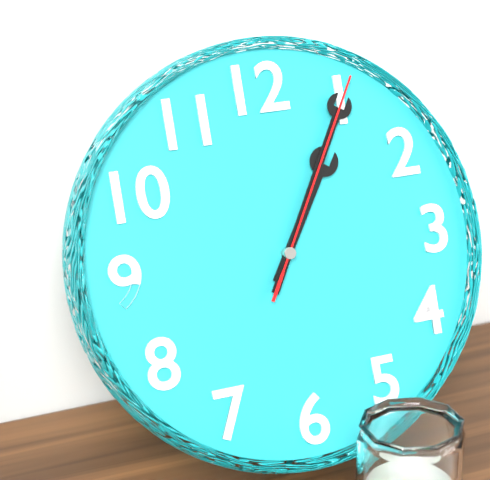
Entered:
1h05m05s
